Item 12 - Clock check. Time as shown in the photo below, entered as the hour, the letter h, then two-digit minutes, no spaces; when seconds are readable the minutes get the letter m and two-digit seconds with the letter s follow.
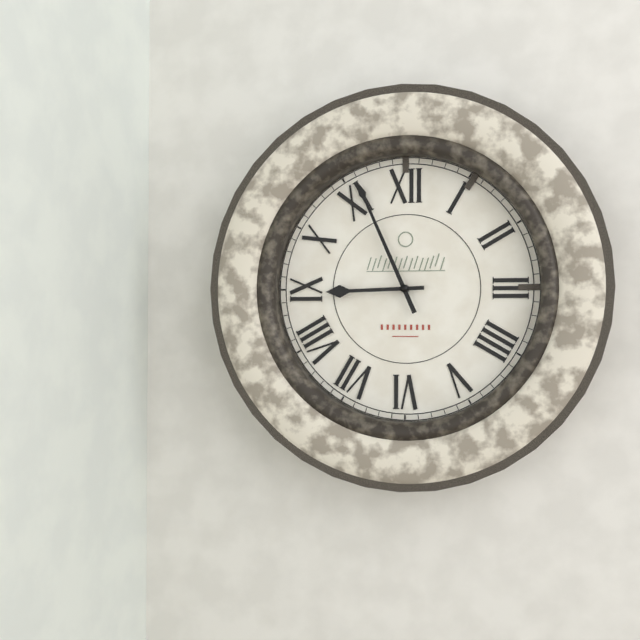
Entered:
8h56
